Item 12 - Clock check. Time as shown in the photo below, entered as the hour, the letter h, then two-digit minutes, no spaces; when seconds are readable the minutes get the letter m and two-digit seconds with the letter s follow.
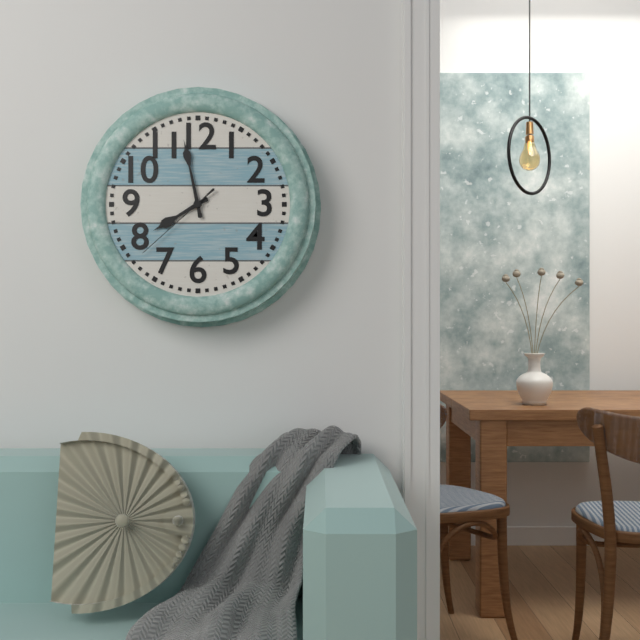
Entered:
7h58m38s
